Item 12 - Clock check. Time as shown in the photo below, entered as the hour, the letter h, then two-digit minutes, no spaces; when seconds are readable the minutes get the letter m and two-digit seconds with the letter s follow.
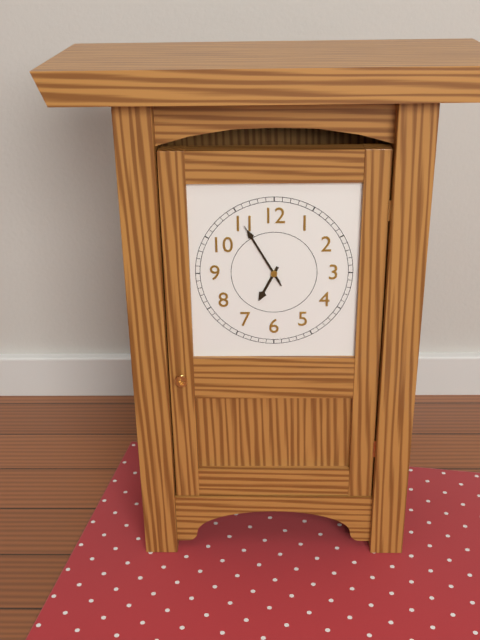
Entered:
6h55m55s
